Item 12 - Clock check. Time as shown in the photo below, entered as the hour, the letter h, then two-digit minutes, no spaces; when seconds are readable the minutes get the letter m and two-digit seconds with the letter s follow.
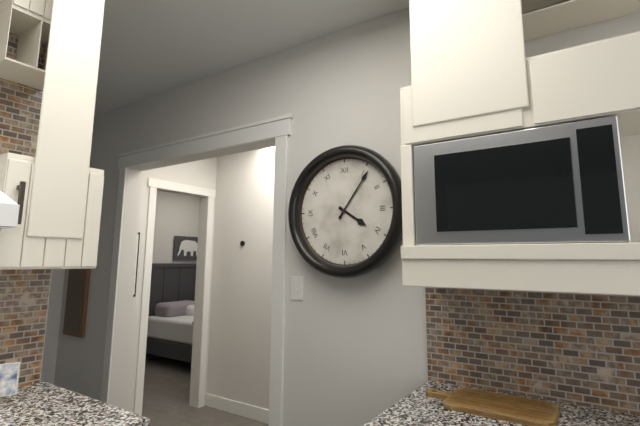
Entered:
4h06
